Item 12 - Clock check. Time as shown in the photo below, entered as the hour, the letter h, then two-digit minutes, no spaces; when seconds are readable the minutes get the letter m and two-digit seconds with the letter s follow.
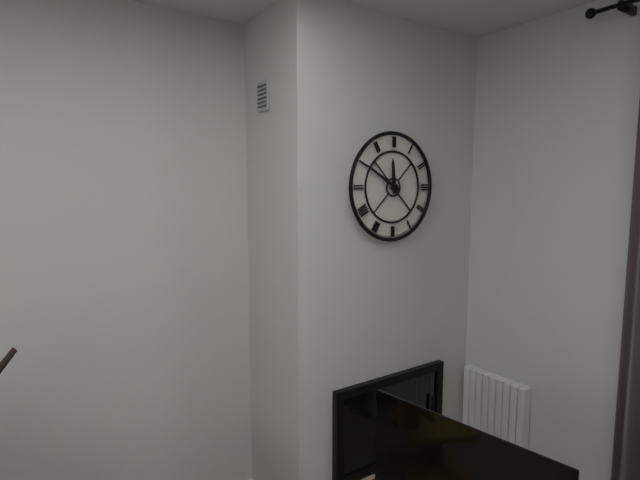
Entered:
11h50
